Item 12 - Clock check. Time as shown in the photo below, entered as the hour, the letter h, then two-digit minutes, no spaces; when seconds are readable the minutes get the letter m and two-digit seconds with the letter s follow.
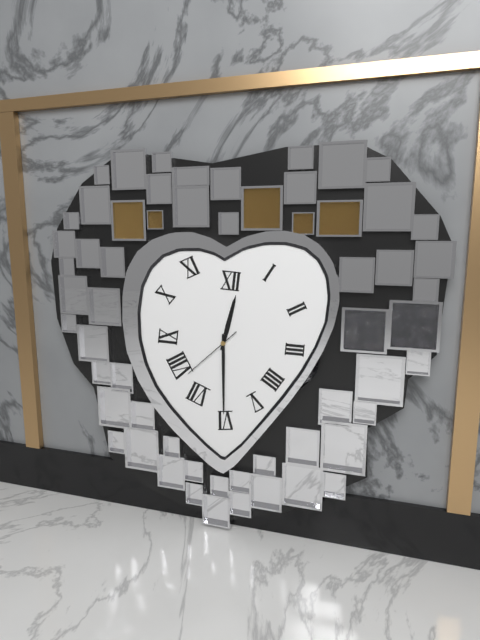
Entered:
12h30m38s
